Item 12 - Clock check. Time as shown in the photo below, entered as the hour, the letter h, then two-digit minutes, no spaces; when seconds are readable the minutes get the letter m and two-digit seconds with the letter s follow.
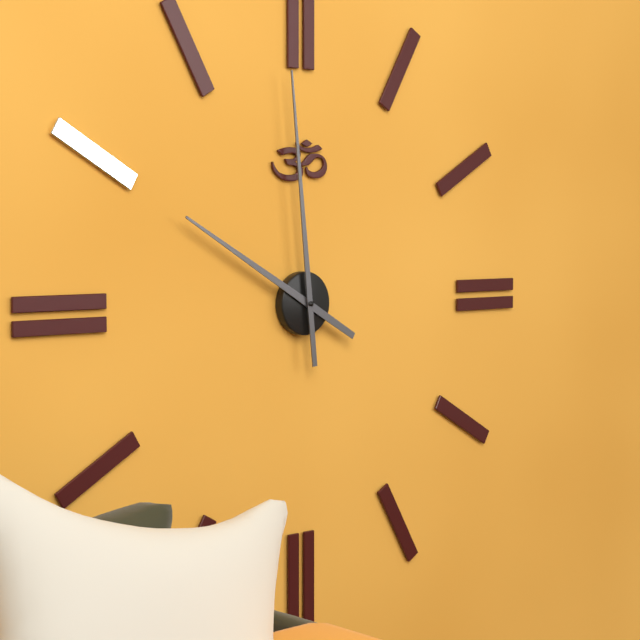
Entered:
9h59
